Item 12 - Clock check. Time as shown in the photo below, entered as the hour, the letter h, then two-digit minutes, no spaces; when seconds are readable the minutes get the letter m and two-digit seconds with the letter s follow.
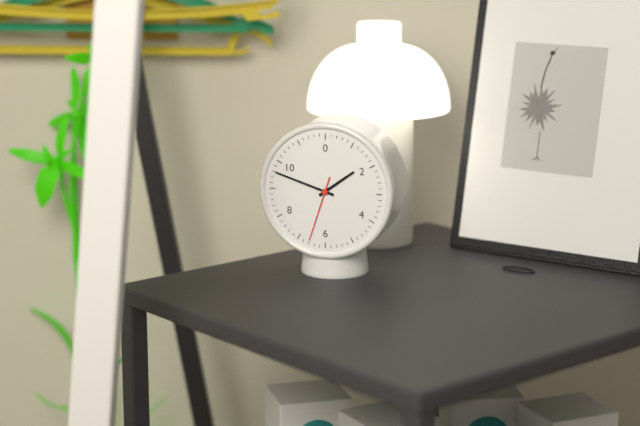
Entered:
1h48m33s
